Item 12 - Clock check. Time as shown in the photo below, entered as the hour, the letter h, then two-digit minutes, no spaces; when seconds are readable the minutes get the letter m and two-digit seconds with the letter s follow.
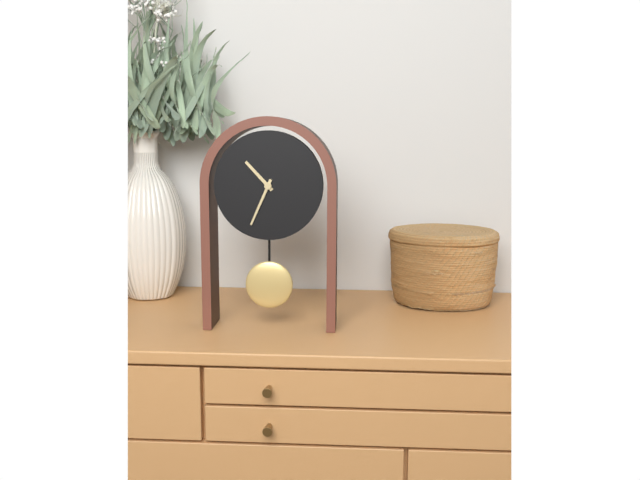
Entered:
10h34
